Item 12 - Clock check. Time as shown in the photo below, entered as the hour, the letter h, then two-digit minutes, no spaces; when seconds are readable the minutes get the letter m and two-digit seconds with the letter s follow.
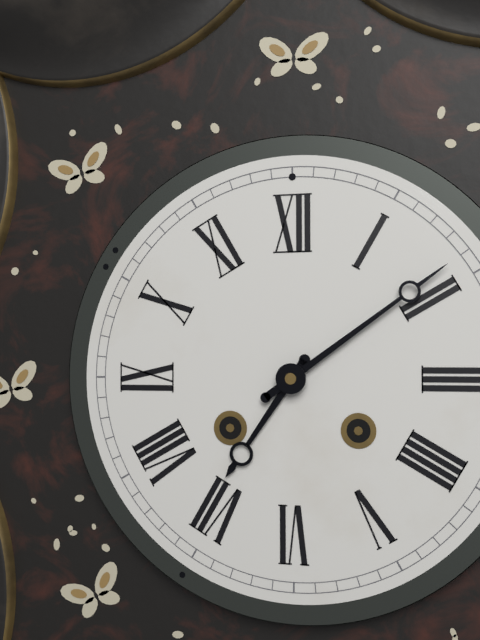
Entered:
7h09
